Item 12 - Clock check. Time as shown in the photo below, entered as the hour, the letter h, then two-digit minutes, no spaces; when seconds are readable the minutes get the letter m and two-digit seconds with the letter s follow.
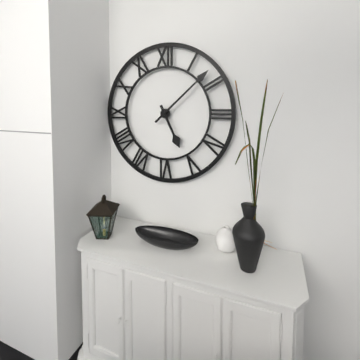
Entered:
5h08
